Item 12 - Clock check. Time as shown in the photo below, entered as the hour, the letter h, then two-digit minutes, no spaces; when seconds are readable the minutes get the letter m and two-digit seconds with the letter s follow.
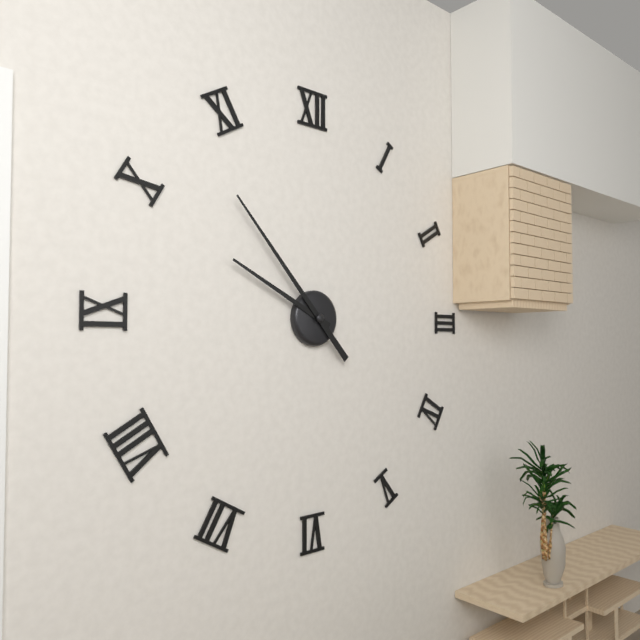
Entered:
9h53
